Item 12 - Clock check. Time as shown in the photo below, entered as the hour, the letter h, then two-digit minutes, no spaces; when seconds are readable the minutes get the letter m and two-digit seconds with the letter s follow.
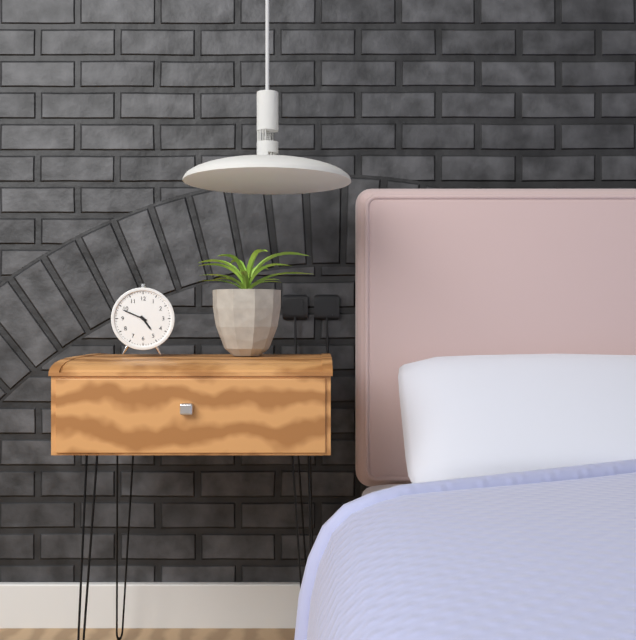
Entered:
4h49
